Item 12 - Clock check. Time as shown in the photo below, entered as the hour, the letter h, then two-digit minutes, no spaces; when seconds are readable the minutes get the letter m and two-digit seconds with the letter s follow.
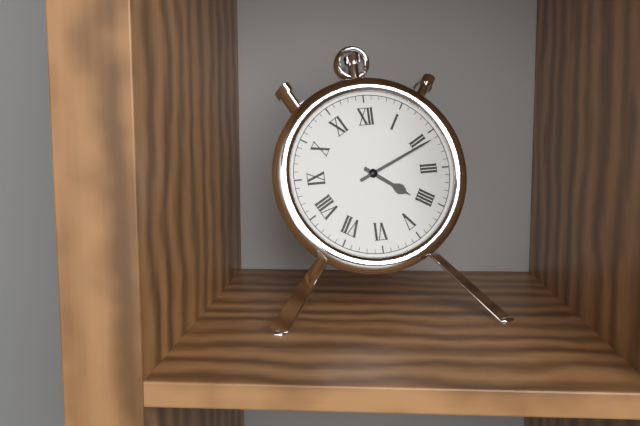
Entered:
4h11
